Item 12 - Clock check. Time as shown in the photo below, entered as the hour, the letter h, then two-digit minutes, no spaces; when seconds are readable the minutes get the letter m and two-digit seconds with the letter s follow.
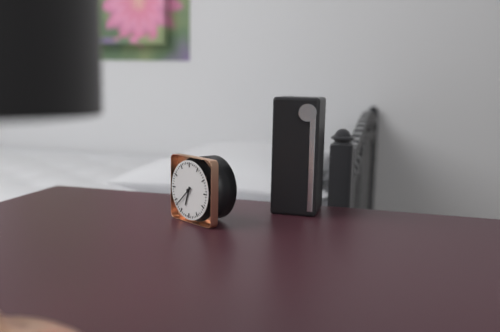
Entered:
6h38
